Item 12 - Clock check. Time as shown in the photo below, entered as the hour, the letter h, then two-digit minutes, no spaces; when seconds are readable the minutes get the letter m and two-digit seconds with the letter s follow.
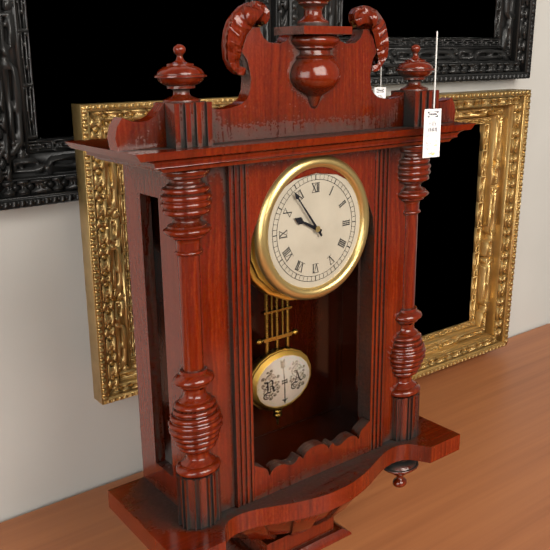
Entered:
9h54
